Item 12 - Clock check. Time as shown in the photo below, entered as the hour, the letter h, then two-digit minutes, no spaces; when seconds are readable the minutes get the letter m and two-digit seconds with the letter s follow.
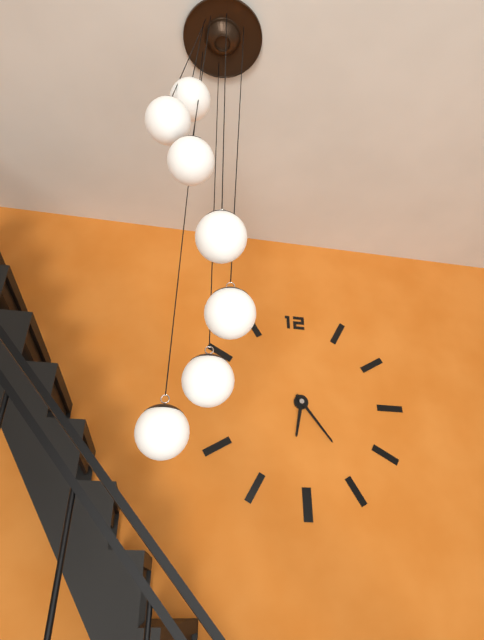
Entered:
6h24
